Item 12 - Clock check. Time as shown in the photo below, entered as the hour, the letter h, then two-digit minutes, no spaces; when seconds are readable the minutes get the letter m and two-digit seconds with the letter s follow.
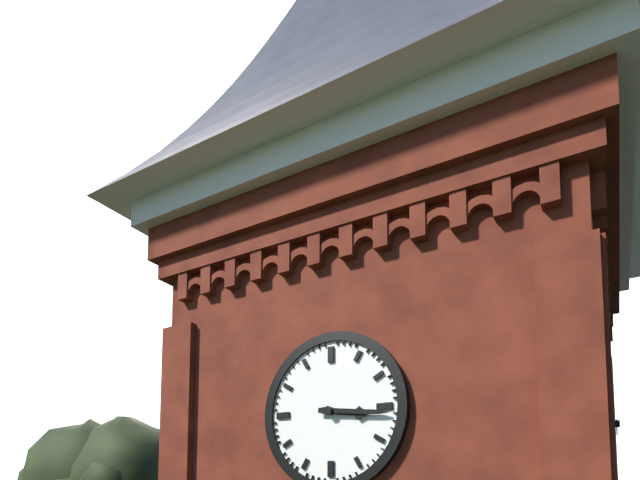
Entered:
3h16
